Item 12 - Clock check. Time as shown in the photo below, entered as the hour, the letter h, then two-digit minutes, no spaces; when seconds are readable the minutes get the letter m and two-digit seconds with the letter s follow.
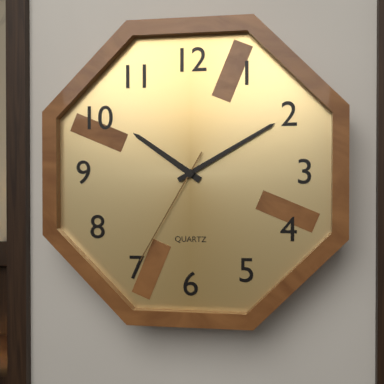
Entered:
10h10m35s
